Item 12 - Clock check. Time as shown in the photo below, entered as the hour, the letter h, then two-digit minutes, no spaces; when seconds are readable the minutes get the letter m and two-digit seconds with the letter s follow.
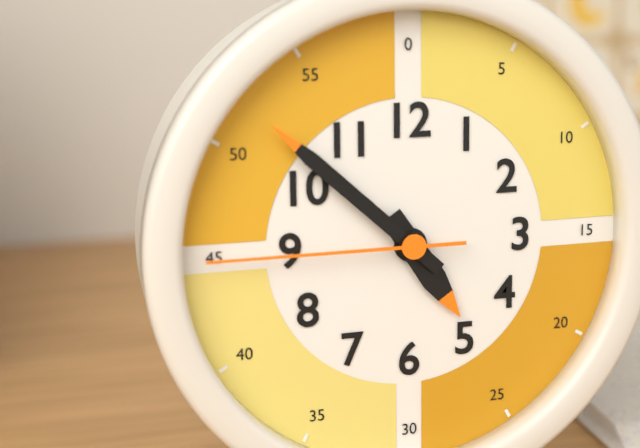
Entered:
4h52m45s
